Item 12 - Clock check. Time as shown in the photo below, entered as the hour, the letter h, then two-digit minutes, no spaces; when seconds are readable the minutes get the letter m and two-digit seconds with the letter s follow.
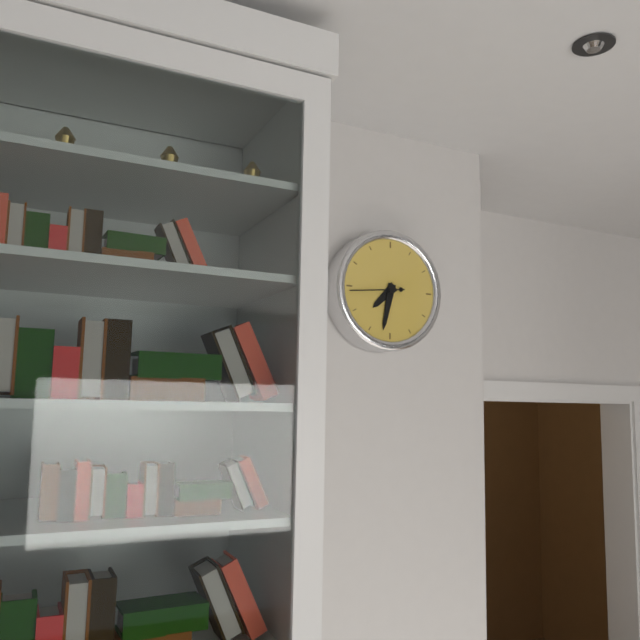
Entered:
7h32m44s
